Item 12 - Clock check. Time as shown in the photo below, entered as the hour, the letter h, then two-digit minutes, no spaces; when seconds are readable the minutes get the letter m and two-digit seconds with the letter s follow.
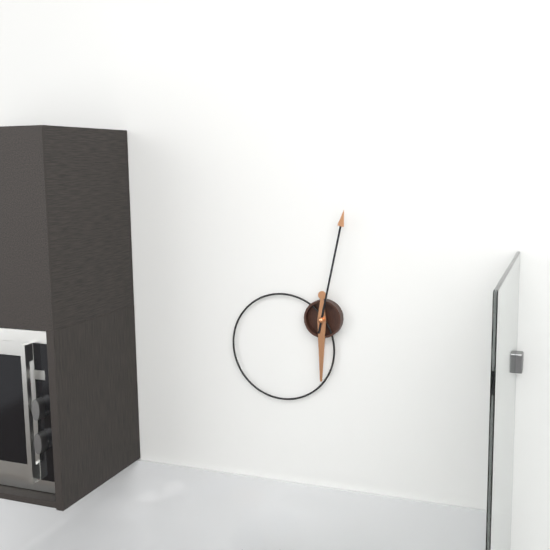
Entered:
6h02
